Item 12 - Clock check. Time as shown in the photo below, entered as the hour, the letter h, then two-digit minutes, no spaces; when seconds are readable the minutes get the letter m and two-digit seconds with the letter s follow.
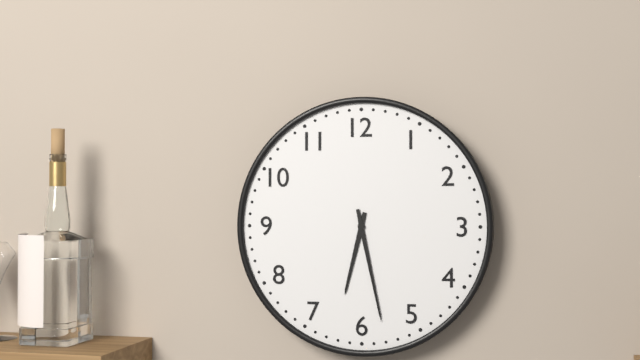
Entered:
6h28
